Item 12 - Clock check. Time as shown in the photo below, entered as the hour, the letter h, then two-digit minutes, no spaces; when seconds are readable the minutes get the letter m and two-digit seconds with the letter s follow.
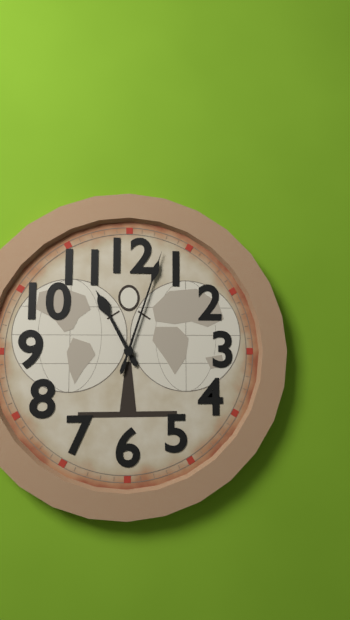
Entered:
11h03
